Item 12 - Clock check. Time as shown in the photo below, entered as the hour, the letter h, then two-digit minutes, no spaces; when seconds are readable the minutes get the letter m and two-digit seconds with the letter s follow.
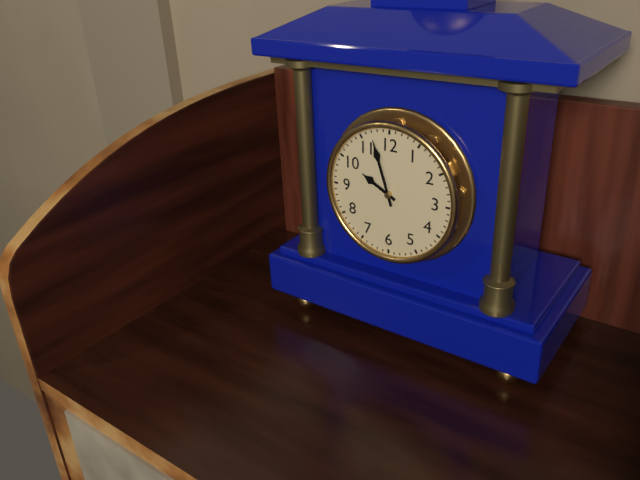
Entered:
9h57
